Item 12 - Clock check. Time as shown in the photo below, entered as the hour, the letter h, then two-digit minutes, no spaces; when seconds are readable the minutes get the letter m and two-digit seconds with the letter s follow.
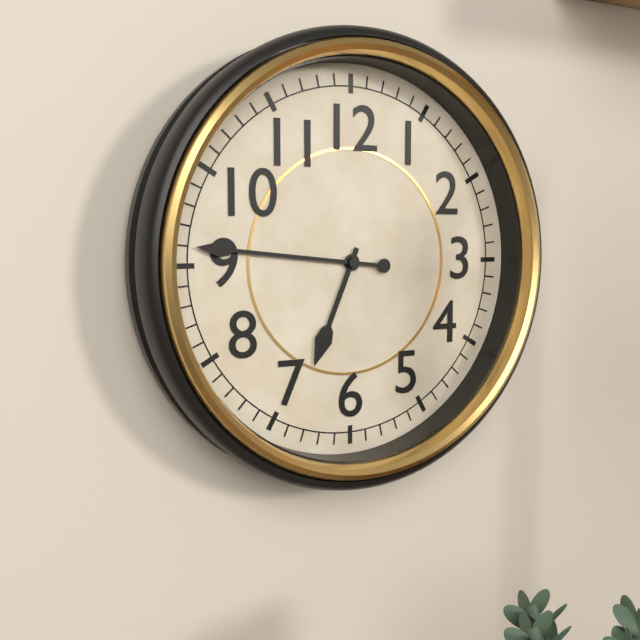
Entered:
6h46
